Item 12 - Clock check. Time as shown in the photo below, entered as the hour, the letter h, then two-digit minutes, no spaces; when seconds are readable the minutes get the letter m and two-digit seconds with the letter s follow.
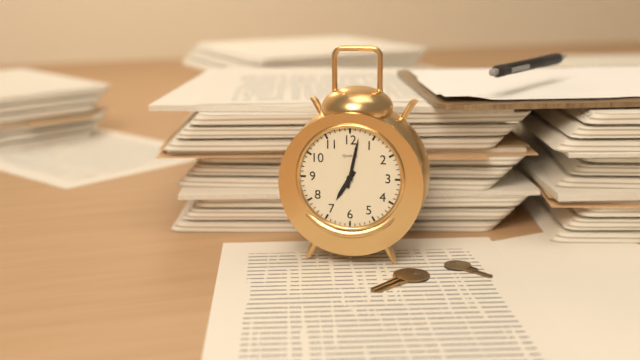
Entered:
7h02
